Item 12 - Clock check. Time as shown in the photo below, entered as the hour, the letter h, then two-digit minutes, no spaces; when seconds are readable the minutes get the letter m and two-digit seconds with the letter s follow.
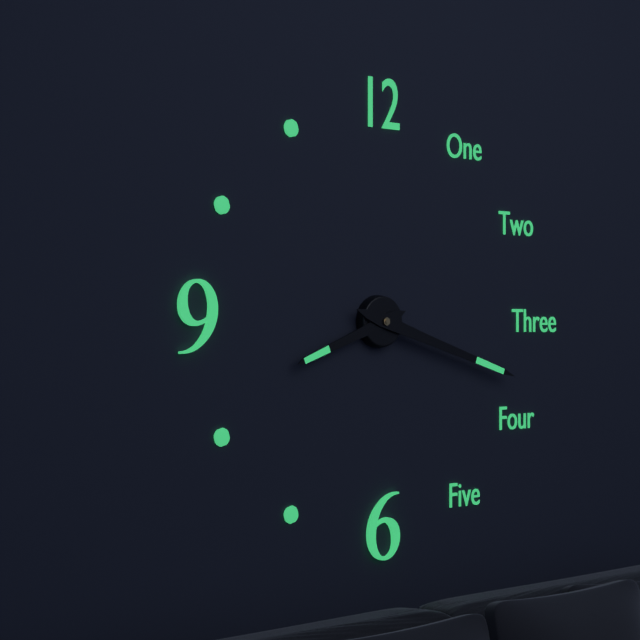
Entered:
8h18
